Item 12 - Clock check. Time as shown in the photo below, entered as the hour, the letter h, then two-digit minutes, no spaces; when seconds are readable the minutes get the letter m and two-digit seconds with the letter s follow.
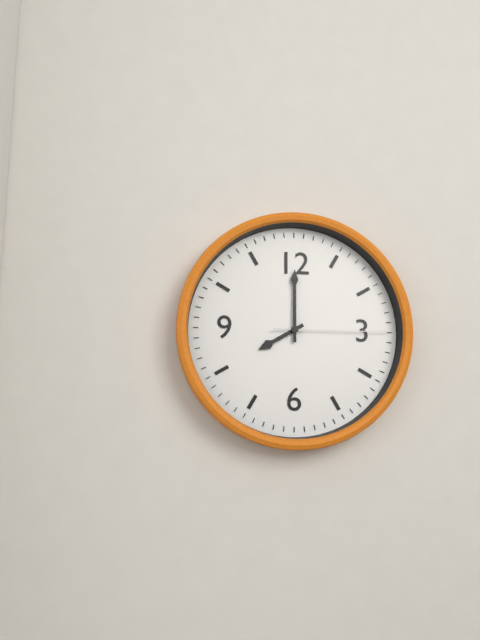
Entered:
8h00m15s
